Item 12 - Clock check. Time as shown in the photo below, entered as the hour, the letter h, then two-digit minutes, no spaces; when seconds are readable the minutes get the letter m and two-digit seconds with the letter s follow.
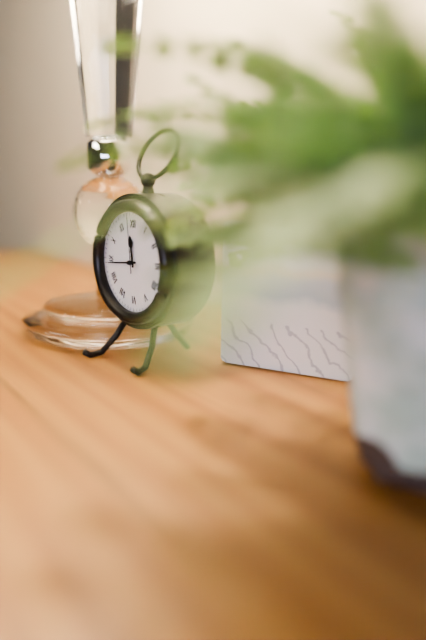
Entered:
11h44m59s
